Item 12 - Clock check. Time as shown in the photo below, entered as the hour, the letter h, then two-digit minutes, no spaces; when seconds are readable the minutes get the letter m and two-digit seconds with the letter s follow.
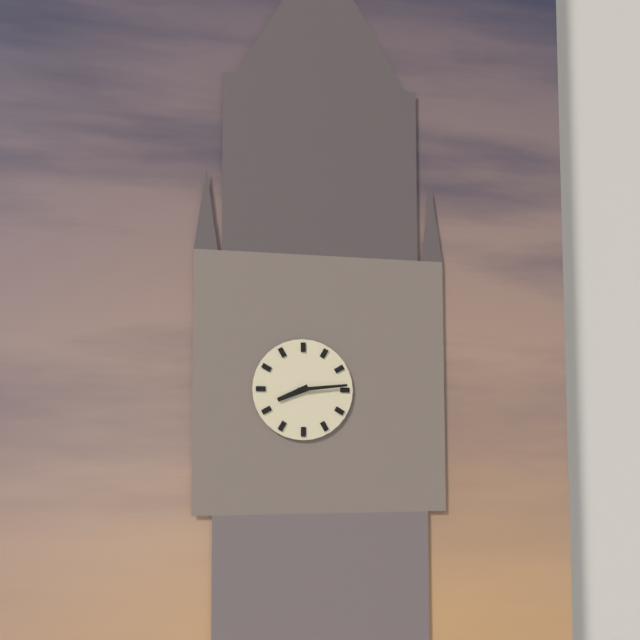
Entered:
8h14
